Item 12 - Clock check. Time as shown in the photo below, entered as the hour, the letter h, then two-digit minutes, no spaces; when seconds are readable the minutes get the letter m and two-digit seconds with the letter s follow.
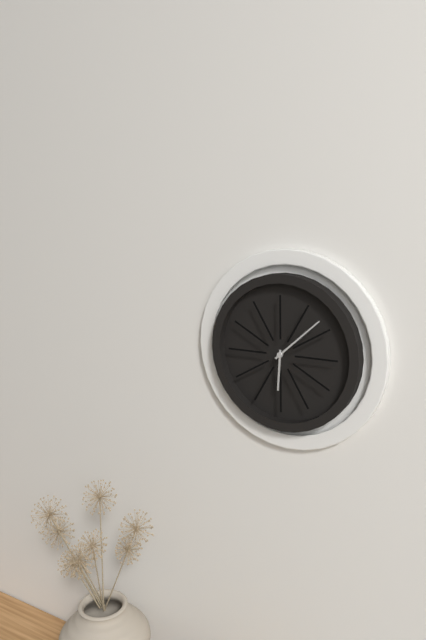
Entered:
6h08
